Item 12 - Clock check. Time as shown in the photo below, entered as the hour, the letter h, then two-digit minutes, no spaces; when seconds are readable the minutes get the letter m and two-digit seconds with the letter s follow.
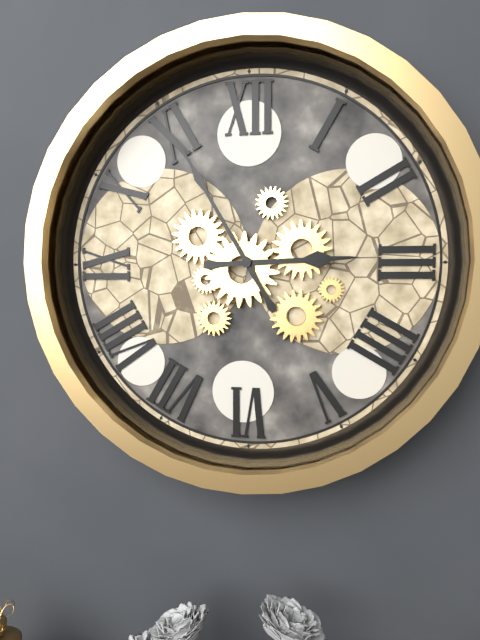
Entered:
2h55
